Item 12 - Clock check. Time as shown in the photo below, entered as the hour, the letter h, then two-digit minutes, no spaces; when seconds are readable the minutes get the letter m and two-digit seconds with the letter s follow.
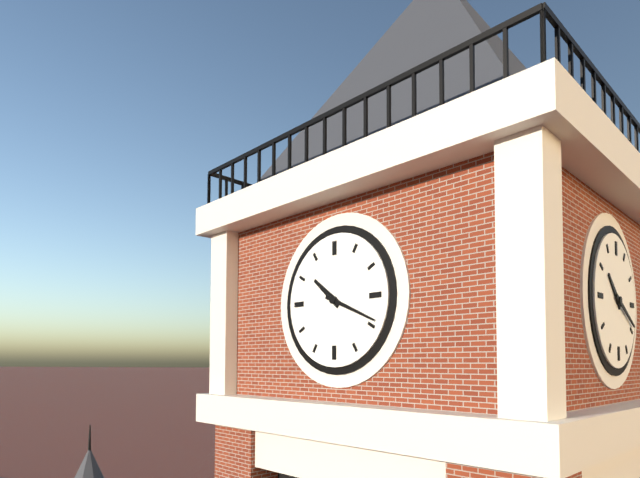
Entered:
10h19
